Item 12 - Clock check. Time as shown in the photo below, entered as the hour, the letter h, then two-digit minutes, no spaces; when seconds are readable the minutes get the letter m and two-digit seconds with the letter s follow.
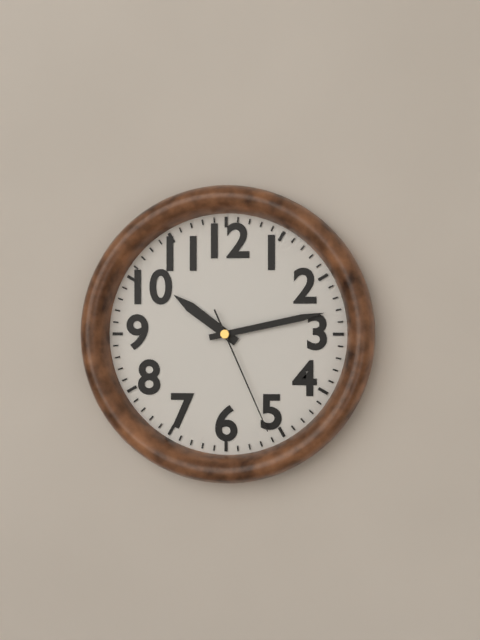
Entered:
10h13m26s
